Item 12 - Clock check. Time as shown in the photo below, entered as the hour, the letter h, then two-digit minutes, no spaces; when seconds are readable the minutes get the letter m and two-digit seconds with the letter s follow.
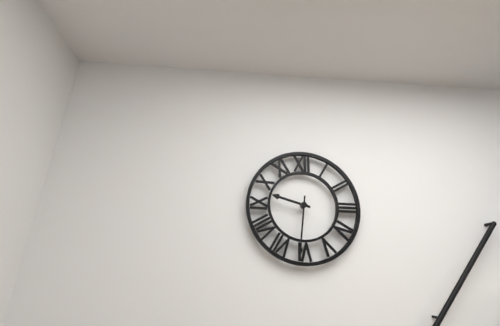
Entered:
9h31
